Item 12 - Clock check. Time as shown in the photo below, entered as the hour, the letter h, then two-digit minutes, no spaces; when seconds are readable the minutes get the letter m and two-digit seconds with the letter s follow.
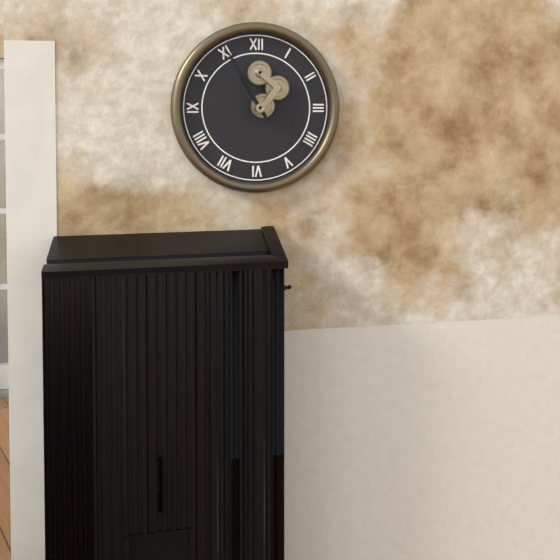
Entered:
10h55
